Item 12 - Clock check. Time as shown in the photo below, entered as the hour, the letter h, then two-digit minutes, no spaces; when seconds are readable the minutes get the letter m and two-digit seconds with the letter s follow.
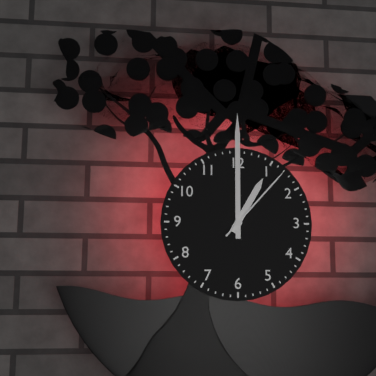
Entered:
1h00m07s
